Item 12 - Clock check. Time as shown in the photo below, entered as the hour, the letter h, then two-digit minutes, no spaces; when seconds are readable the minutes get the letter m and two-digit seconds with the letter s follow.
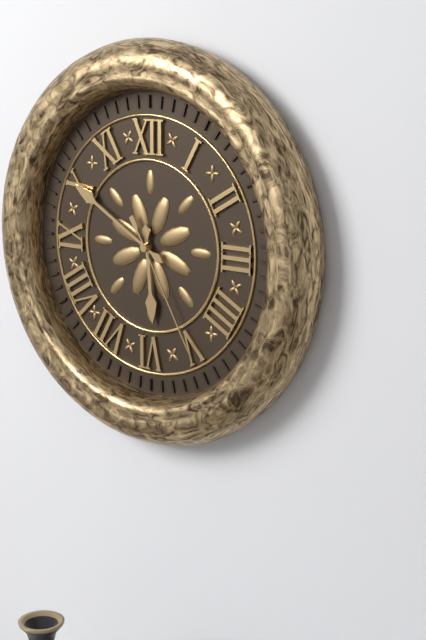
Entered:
5h50m25s
